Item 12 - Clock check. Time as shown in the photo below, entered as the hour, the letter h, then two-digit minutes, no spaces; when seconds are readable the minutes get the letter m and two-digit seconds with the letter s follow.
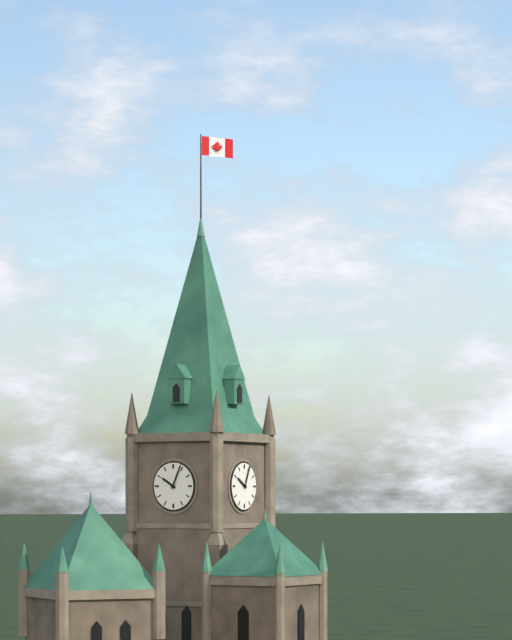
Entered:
10h04
